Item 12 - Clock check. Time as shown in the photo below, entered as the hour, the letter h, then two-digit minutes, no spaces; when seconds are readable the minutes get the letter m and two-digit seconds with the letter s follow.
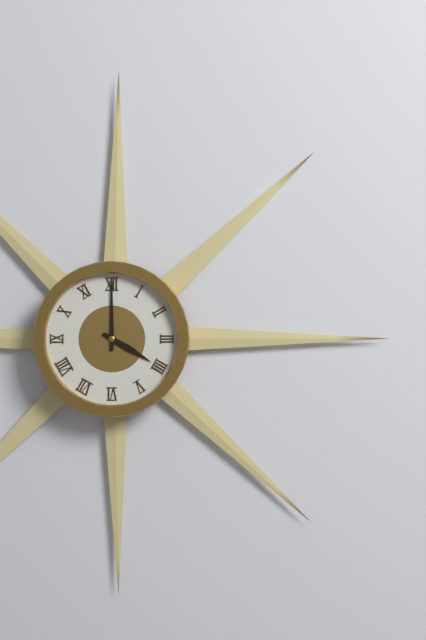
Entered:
4h00
